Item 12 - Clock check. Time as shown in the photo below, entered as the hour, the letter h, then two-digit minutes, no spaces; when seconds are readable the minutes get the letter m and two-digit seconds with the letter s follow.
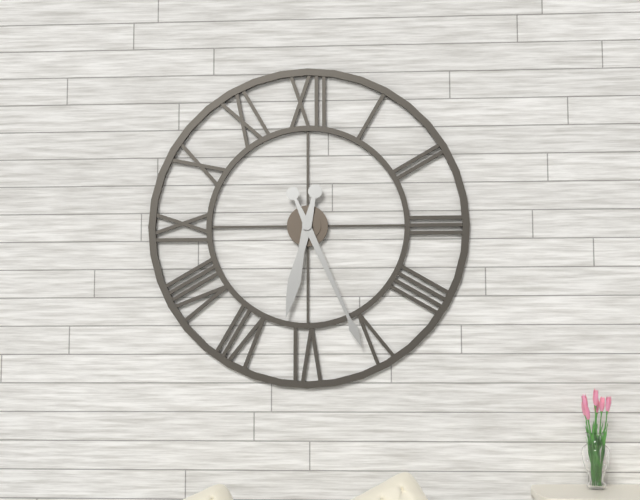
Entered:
6h26
